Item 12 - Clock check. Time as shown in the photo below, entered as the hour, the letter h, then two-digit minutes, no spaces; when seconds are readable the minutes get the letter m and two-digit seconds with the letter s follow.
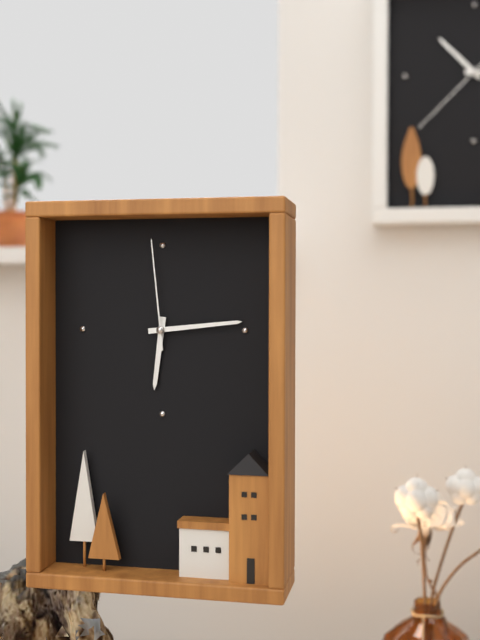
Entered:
6h14m59s
